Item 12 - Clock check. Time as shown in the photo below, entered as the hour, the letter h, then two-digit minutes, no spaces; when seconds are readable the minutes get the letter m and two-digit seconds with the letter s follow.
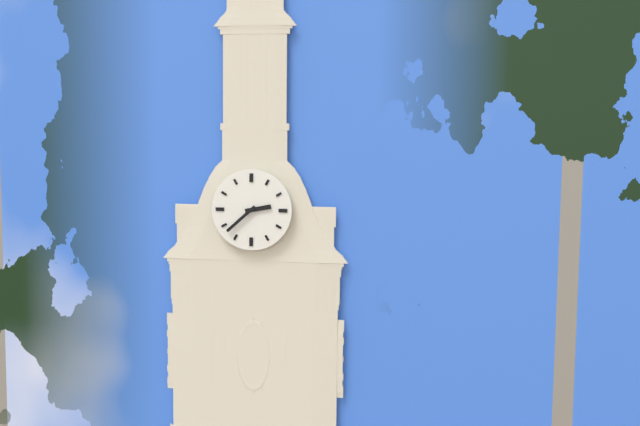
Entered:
2h38
